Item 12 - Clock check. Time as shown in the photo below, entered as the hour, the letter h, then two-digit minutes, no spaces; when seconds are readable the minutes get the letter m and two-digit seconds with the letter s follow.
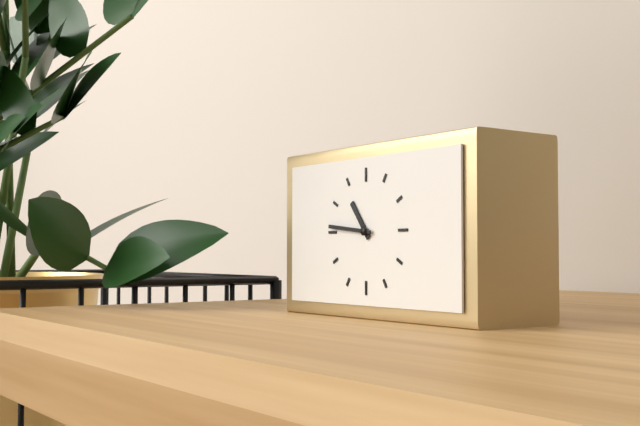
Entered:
10h46
